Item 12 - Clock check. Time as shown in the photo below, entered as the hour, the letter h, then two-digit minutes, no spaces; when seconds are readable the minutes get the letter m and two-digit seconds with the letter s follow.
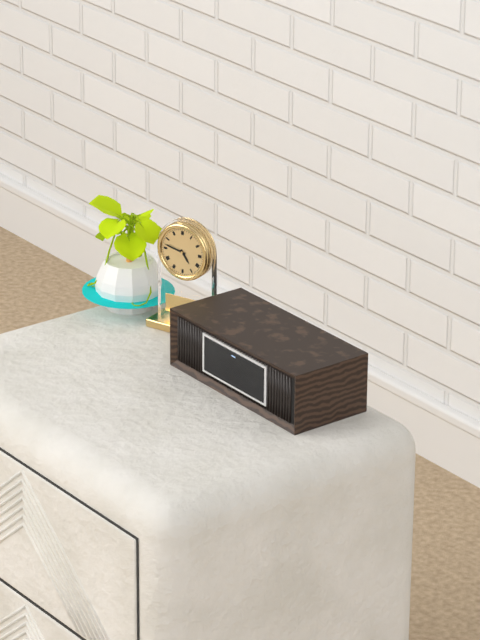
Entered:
4h47
